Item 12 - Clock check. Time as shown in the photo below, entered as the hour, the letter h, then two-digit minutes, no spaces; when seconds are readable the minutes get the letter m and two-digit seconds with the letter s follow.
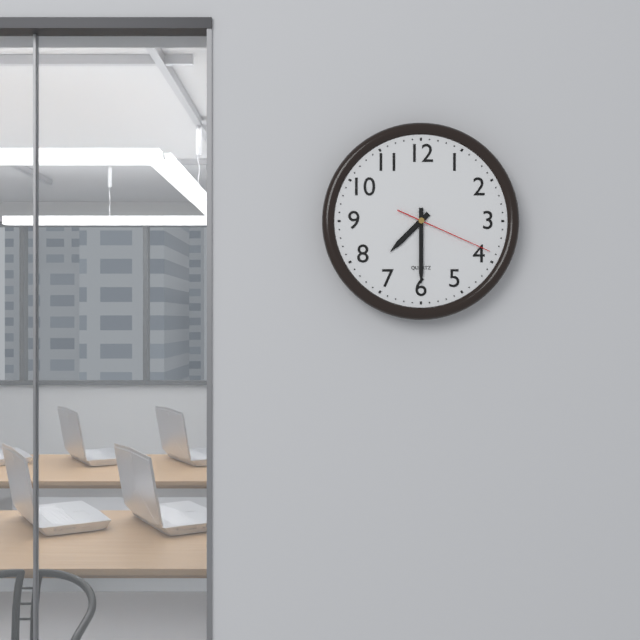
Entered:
7h30m19s
